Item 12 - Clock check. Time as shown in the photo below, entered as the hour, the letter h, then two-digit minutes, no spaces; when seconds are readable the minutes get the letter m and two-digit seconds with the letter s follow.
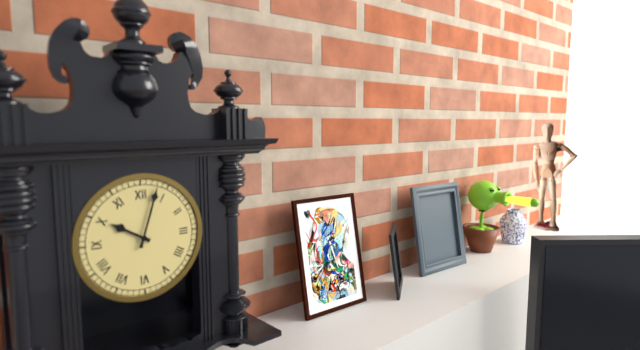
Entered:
10h03
